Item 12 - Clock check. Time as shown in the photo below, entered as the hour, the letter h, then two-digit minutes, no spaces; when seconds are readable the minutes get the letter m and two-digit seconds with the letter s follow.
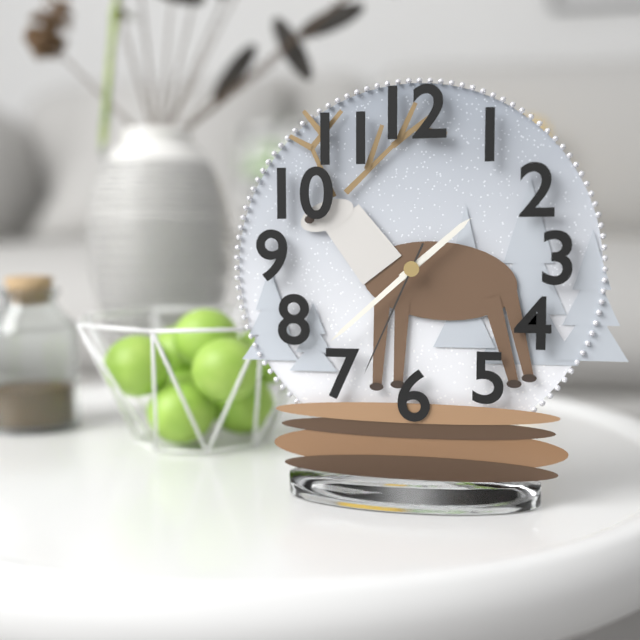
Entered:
1h38m34s
